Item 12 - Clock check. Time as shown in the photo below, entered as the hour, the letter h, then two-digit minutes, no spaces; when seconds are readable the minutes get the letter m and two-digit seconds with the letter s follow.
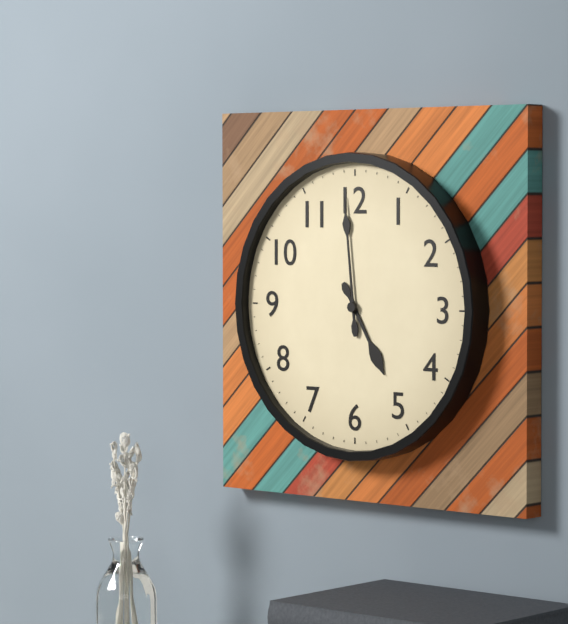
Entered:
4h59
